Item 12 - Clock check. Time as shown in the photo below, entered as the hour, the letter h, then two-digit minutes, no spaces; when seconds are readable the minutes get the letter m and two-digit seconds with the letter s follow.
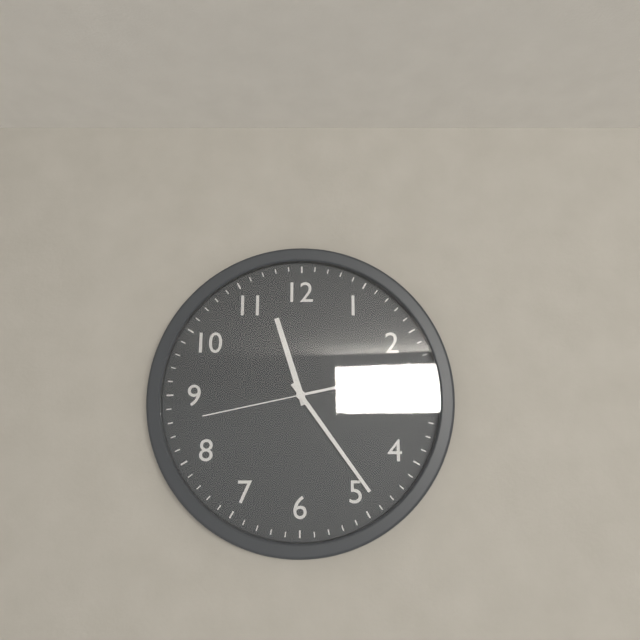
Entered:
11h24m43s
